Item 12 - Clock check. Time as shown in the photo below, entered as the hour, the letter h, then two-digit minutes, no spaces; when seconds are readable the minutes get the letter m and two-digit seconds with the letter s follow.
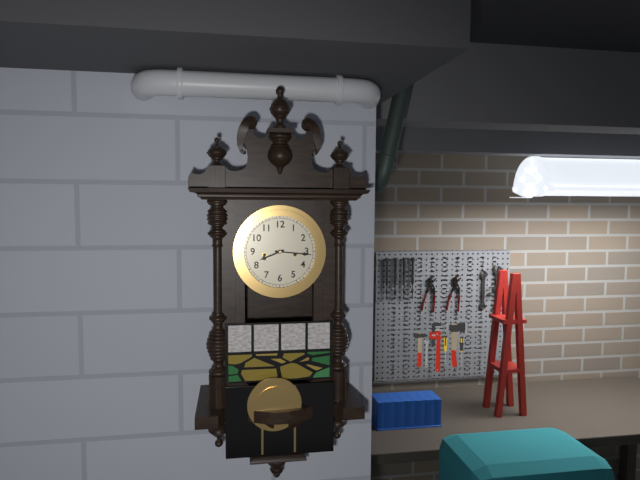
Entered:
8h16
